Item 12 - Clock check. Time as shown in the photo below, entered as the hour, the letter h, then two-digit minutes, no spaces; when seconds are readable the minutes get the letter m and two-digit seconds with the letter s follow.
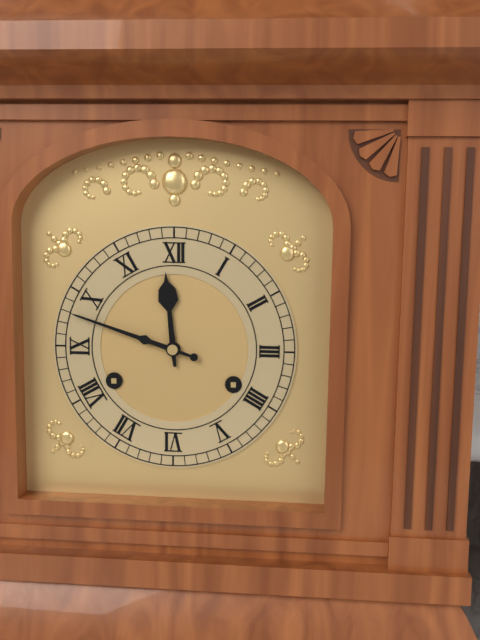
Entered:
11h48
